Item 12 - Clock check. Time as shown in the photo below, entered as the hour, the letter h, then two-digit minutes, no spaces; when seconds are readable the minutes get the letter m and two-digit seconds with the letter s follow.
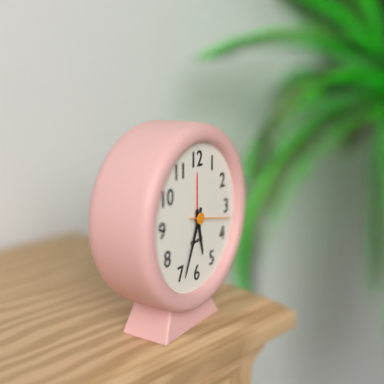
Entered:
5h34
